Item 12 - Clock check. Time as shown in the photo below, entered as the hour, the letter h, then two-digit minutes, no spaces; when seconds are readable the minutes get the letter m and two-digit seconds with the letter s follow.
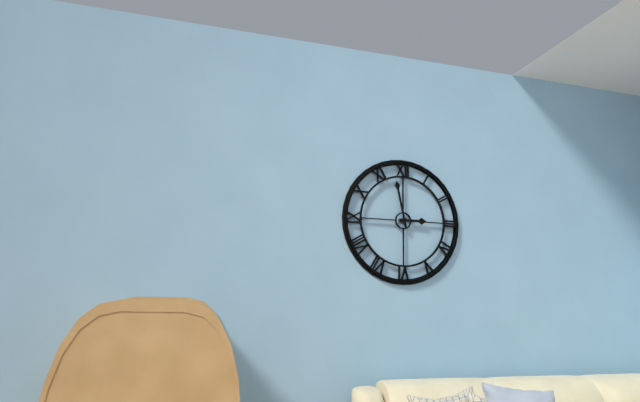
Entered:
2h58
